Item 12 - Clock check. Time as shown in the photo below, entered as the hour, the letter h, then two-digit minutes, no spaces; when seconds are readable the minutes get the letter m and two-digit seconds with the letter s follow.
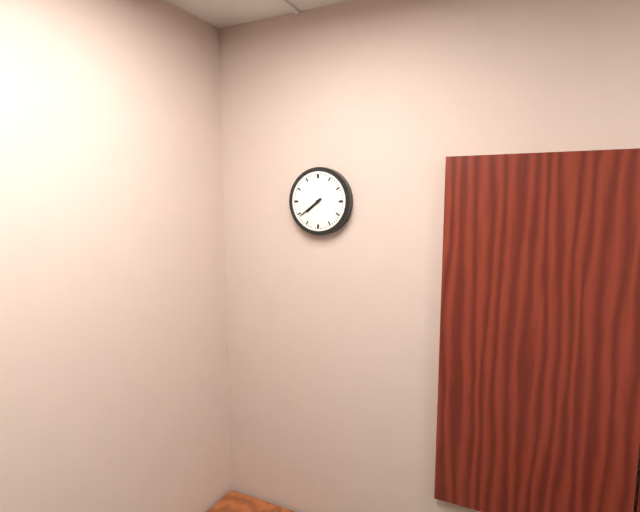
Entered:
7h39
